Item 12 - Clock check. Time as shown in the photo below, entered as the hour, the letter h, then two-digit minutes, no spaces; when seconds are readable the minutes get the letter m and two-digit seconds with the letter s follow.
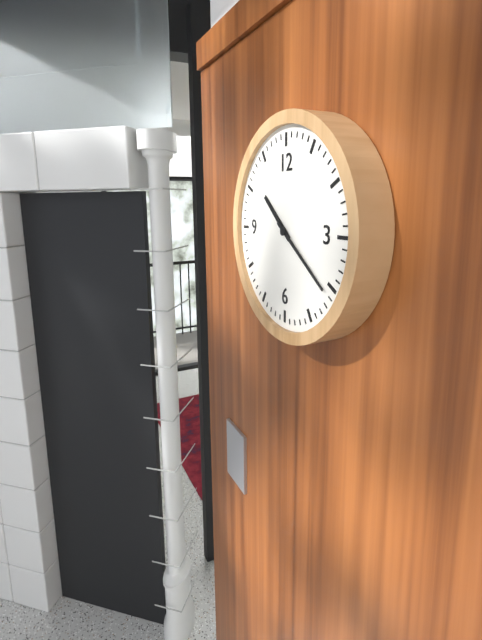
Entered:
10h21
